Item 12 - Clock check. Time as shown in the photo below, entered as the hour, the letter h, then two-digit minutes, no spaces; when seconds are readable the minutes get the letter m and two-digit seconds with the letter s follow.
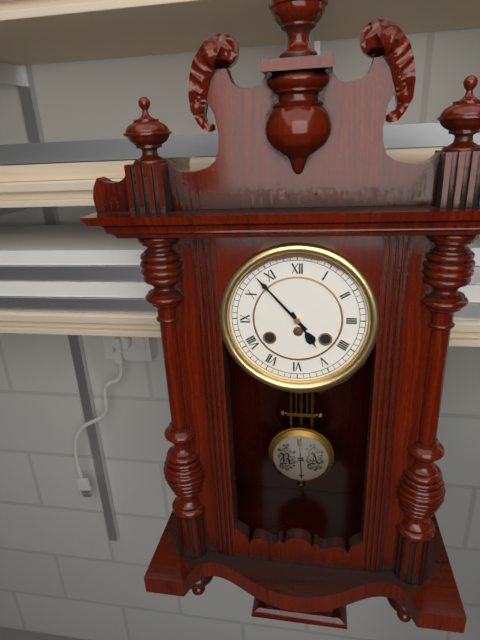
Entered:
4h53
